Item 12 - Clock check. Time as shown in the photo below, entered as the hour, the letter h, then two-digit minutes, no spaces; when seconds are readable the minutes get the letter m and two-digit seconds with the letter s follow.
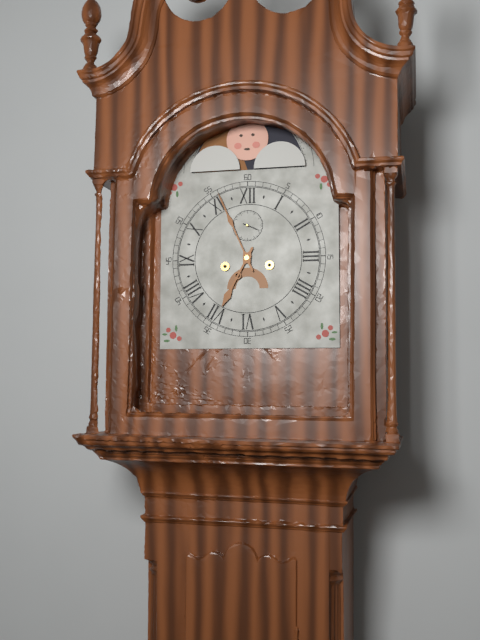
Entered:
6h56
